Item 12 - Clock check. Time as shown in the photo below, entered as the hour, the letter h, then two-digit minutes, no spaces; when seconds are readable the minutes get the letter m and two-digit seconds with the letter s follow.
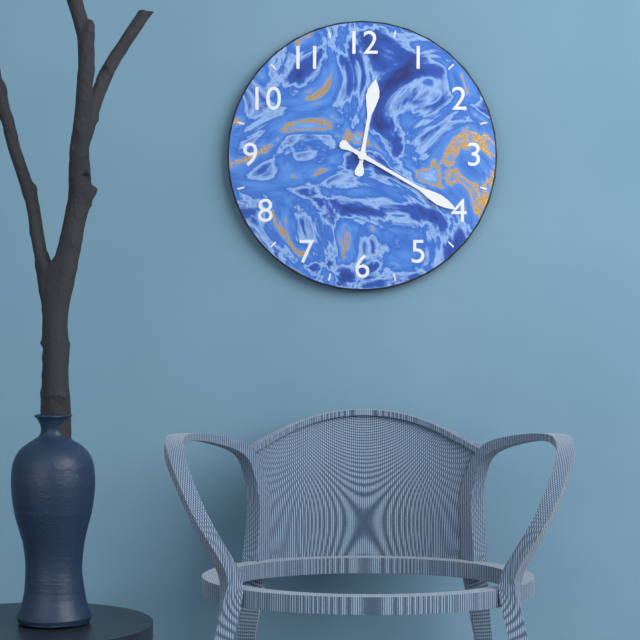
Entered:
12h20
